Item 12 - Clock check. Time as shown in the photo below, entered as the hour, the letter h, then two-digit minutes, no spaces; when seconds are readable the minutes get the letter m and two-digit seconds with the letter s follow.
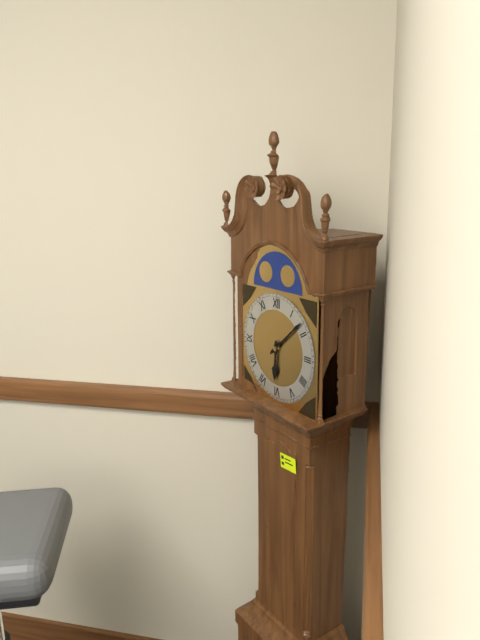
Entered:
6h08
